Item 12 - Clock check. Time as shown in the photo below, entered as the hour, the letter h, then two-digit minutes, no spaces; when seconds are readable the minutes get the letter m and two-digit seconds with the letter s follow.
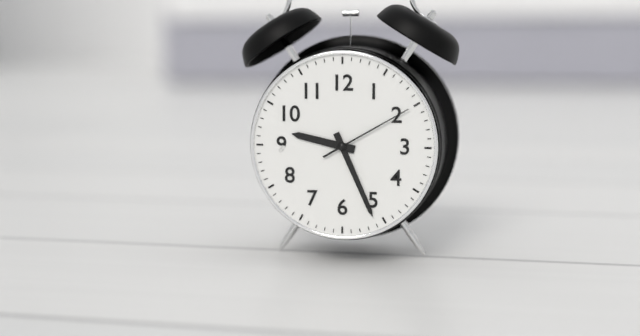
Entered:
9h26m10s
